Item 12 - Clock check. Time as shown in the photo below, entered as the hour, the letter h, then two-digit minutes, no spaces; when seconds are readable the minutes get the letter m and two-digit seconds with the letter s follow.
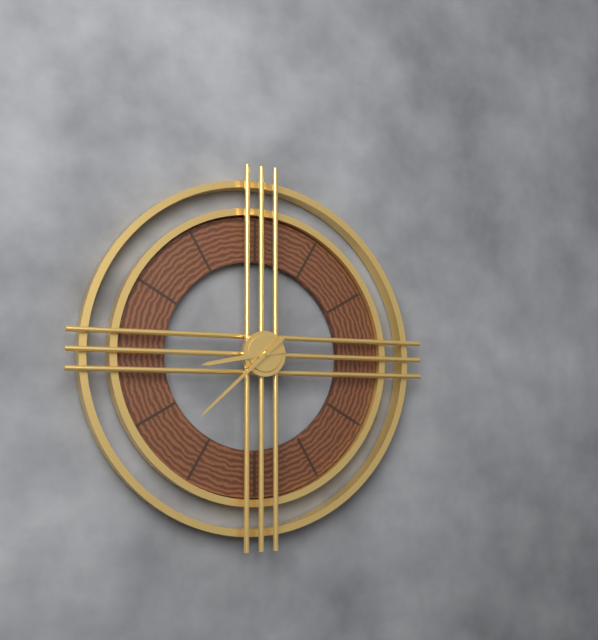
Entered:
8h38
